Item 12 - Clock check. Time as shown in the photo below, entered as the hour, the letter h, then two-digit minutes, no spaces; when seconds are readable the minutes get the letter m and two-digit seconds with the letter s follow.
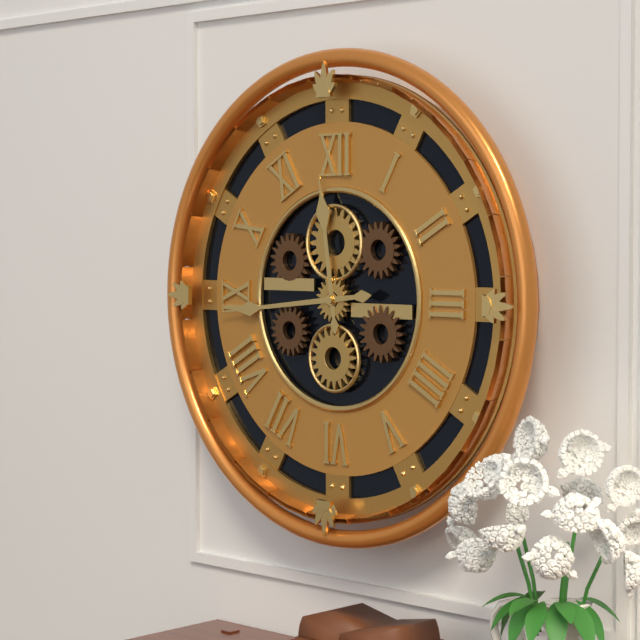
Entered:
11h44
